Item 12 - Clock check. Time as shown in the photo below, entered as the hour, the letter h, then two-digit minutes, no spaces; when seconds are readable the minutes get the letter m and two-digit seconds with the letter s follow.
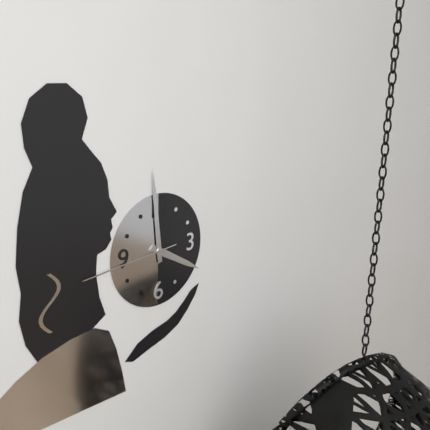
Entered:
3h59m44s
